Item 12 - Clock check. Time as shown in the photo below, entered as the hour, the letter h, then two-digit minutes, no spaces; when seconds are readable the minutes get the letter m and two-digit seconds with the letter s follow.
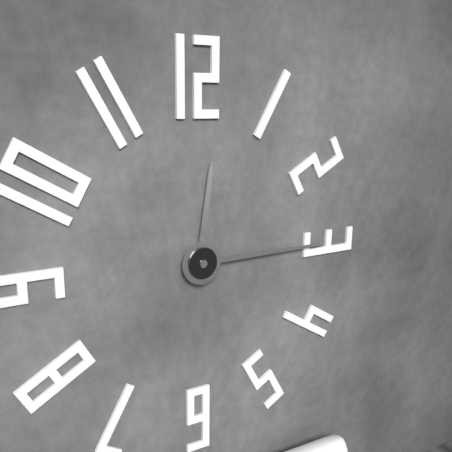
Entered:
12h15
